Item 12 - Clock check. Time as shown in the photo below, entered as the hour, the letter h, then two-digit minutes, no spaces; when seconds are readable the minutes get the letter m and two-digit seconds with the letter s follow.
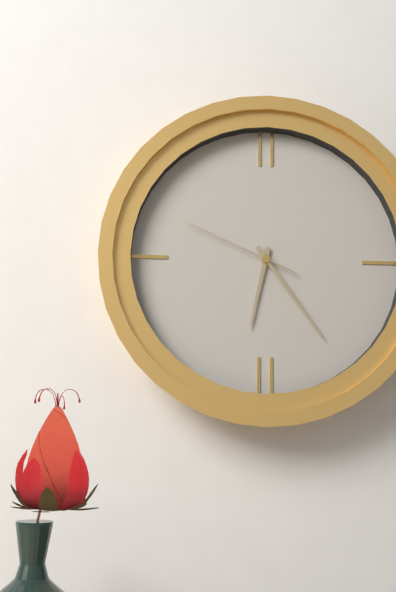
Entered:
6h24m49s
